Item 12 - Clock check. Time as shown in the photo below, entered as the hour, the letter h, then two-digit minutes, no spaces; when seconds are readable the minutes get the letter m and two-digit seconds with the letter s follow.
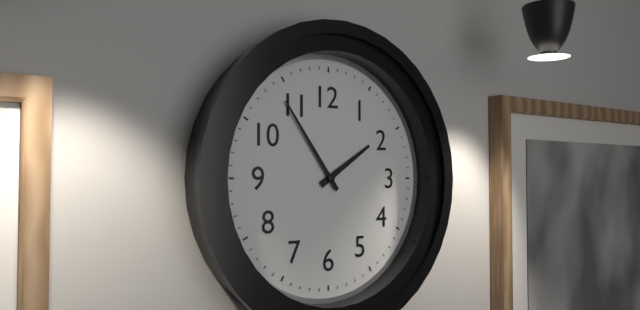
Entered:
1h54
